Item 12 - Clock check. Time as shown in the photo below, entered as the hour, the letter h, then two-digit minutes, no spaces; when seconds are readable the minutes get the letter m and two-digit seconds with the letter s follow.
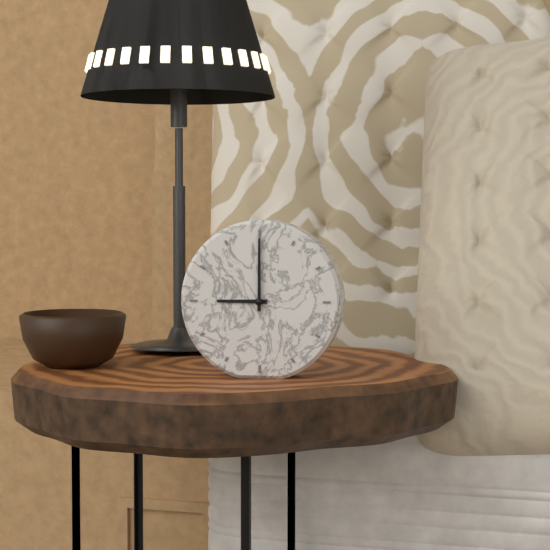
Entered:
9h00
